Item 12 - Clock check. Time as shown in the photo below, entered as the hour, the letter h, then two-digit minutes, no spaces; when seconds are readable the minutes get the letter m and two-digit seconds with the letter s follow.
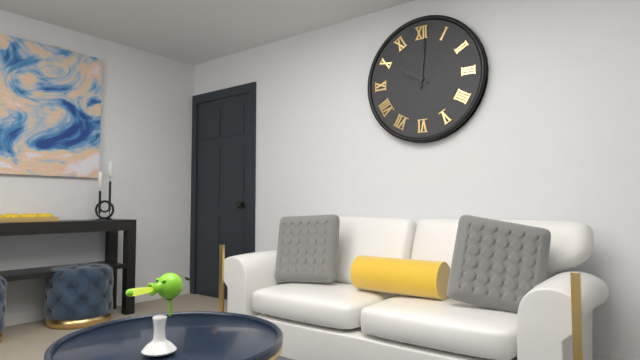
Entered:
10h01
